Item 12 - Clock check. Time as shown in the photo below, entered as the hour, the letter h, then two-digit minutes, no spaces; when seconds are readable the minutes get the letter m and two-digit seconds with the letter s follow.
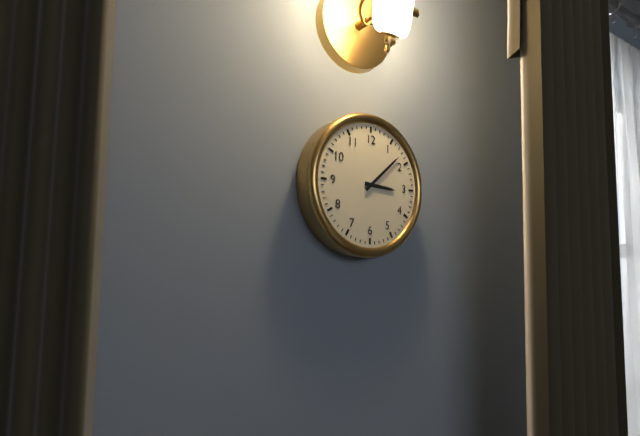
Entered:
3h08
